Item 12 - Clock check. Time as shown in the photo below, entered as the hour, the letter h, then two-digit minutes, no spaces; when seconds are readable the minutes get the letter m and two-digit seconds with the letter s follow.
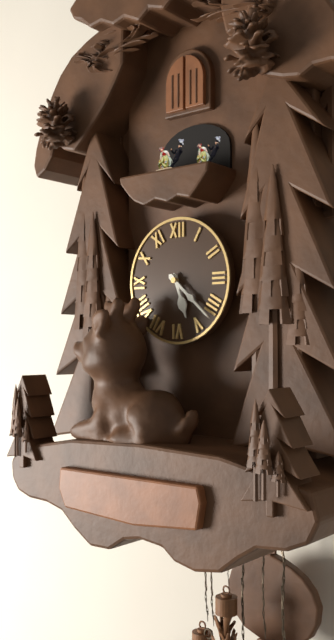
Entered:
5h22
